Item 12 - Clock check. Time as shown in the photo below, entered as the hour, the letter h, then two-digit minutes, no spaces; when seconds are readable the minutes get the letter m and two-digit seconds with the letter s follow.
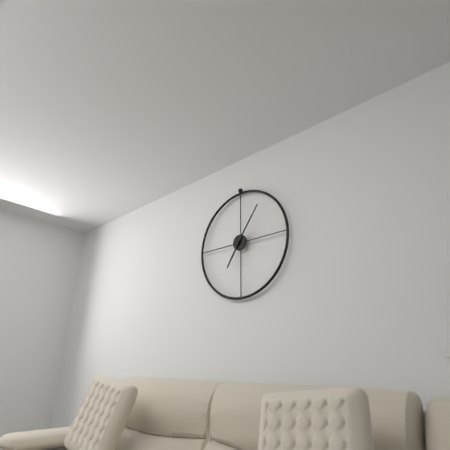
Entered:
7h06
